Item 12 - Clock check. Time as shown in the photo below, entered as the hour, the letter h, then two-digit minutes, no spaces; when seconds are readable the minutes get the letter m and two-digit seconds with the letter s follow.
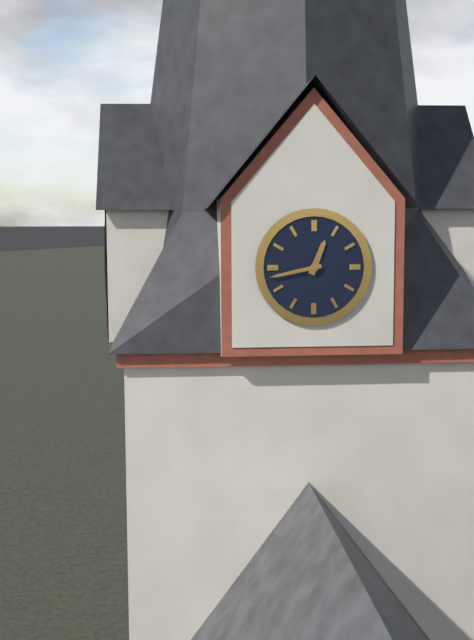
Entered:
12h43
